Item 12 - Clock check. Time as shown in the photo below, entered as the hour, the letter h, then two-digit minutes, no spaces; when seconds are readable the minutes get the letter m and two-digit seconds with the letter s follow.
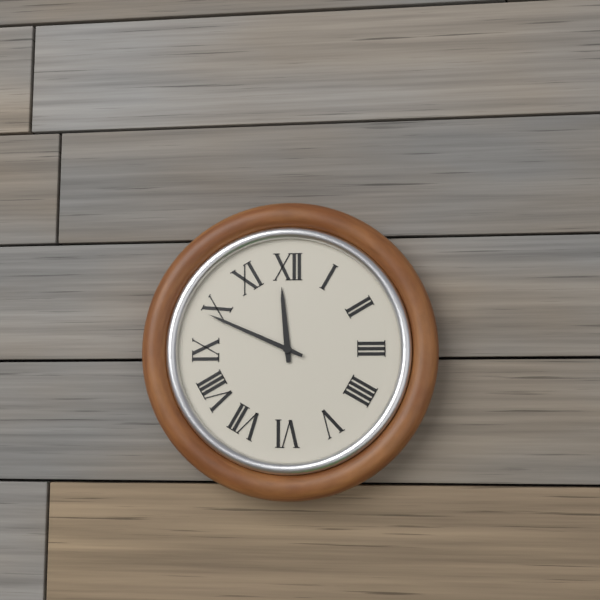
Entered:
11h49
